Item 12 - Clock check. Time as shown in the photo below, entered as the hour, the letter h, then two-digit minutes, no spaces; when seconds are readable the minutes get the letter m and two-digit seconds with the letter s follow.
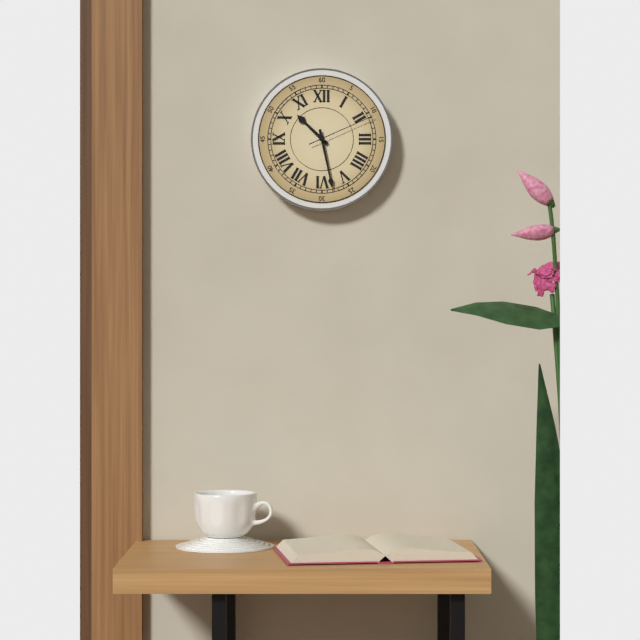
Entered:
10h28m11s
